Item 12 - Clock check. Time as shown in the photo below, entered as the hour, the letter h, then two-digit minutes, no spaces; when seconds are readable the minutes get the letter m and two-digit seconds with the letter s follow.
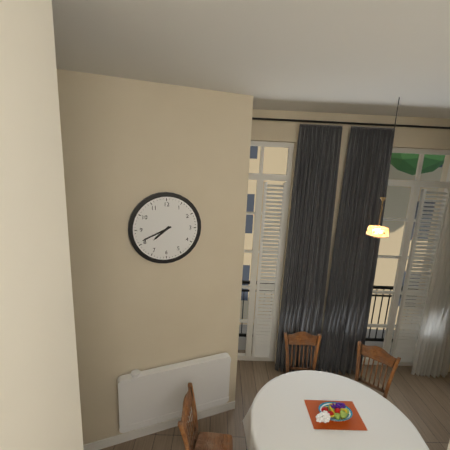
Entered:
7h41
